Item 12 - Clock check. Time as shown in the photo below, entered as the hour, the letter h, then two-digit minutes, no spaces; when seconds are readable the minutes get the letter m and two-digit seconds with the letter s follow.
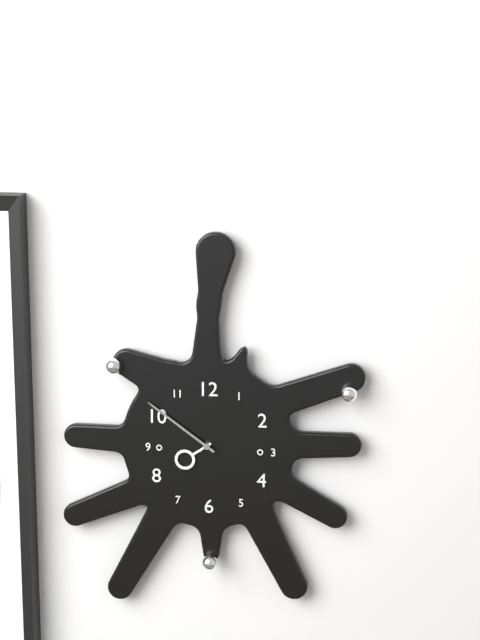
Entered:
7h51
